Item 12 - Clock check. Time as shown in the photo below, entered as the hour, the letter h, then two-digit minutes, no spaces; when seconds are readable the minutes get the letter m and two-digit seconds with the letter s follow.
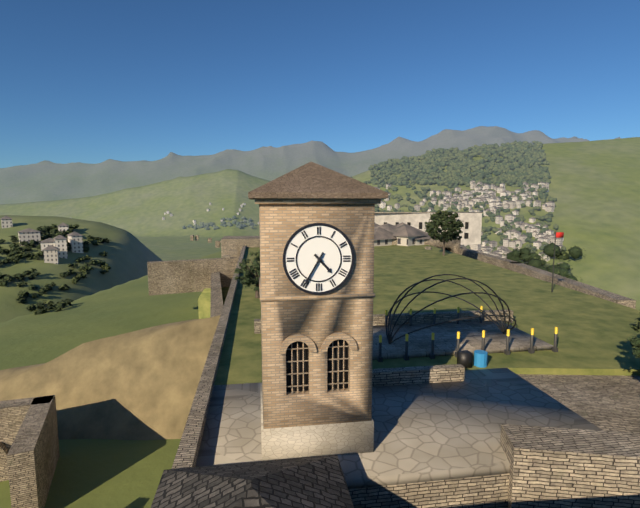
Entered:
4h35
